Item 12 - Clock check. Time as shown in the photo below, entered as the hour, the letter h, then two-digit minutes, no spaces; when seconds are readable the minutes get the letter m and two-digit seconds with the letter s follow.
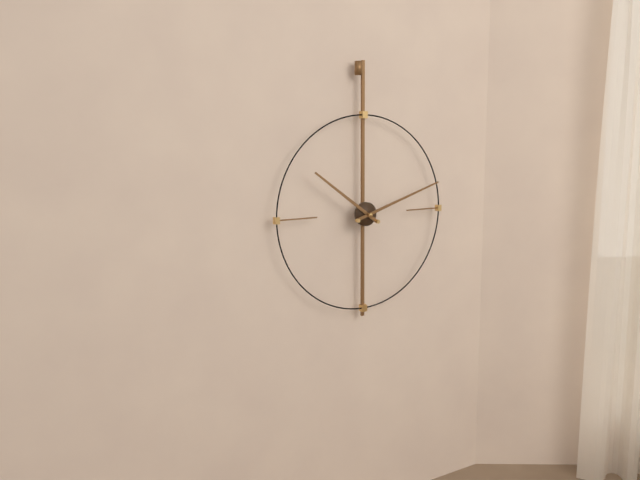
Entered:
10h12
